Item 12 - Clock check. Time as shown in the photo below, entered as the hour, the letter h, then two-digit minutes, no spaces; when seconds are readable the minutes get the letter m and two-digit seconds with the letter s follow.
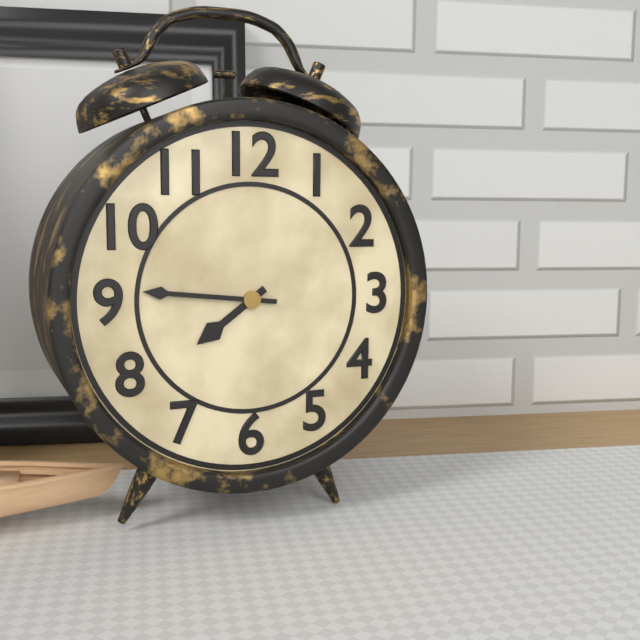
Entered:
7h46
